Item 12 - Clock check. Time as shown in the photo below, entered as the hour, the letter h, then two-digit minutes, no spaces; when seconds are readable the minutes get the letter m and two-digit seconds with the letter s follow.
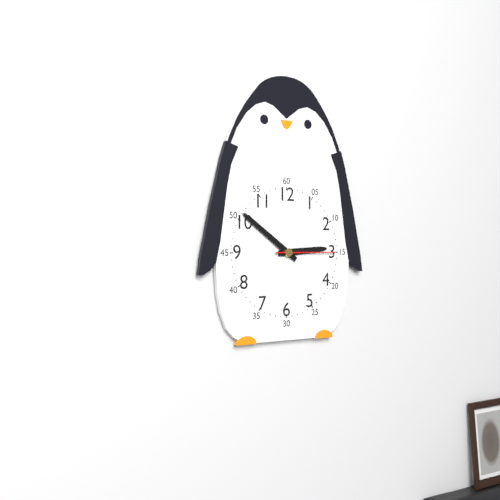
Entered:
2h51m15s
